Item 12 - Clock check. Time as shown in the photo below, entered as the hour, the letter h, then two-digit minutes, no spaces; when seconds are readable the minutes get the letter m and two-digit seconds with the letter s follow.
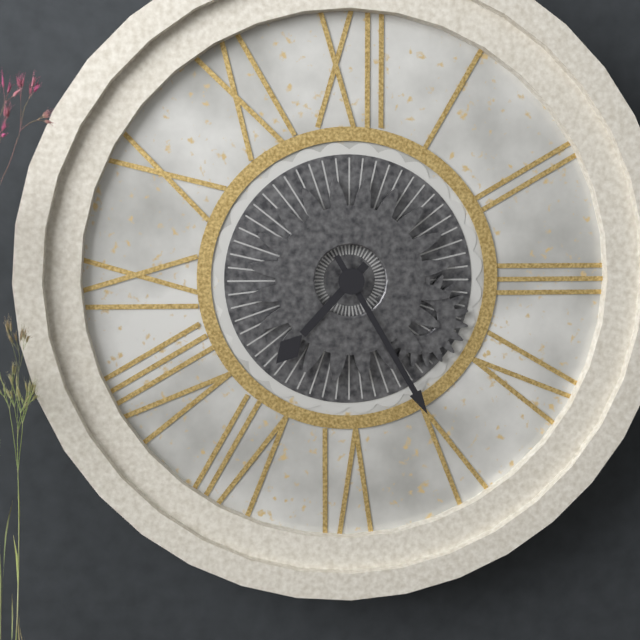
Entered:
7h25
